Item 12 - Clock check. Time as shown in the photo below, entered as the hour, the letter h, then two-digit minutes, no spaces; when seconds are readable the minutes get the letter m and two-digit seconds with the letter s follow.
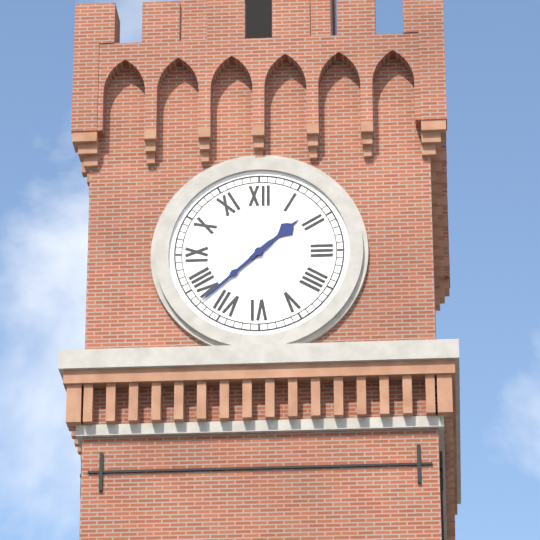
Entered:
1h38
